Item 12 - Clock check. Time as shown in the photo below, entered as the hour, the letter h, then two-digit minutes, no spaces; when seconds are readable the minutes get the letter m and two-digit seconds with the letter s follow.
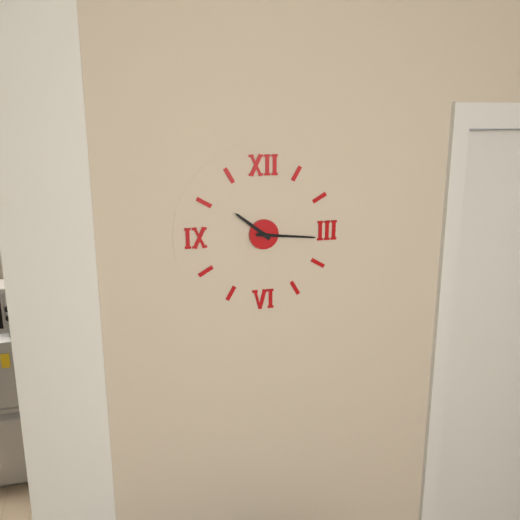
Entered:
10h16
